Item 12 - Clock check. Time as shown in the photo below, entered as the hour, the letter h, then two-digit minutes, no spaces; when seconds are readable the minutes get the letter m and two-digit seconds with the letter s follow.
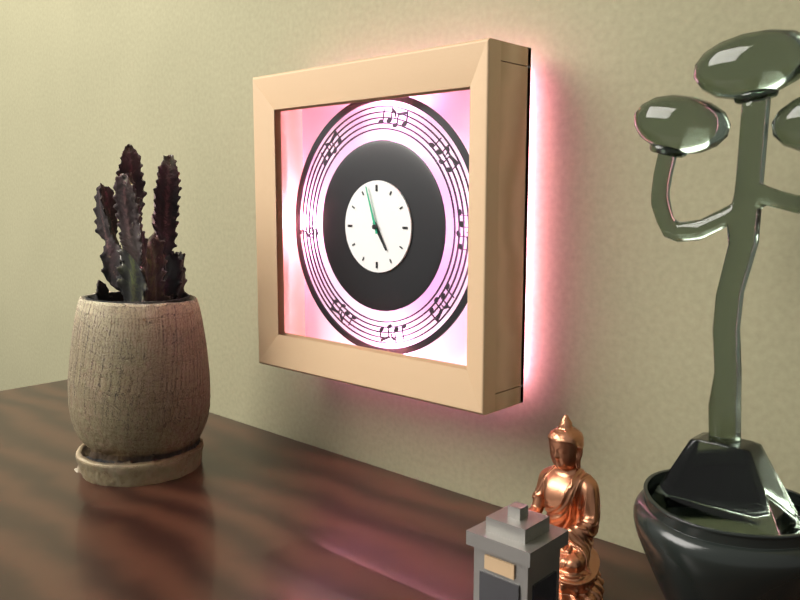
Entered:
4h57
